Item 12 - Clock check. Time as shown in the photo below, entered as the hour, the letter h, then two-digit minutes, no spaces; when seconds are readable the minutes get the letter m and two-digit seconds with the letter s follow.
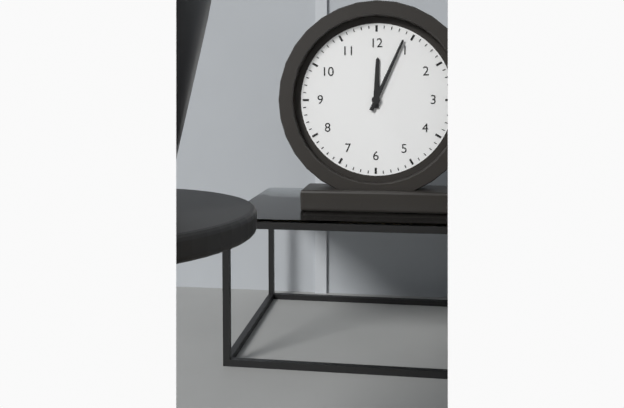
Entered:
12h04
